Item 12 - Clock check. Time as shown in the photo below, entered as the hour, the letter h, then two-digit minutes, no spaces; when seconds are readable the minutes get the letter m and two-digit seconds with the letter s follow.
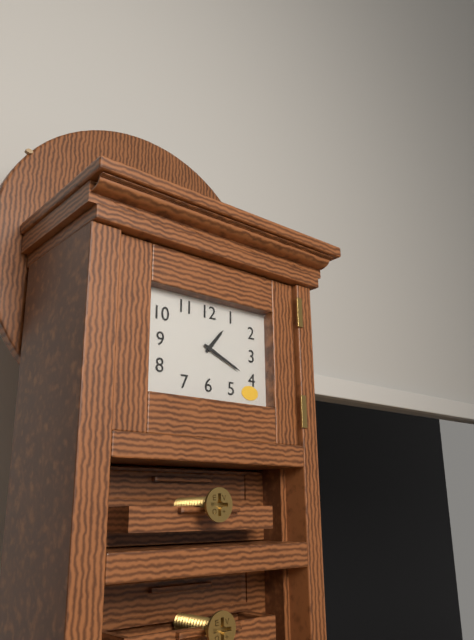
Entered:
1h19
